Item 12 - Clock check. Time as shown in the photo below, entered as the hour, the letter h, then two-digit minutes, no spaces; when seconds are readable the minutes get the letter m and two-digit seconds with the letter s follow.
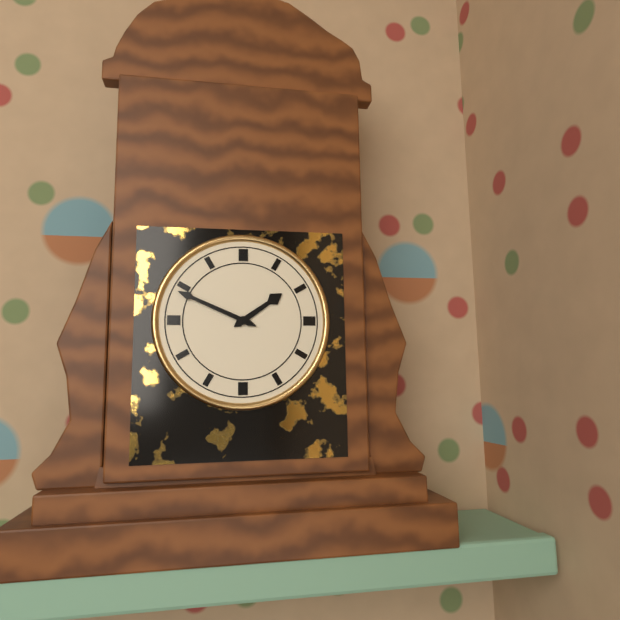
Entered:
1h49
